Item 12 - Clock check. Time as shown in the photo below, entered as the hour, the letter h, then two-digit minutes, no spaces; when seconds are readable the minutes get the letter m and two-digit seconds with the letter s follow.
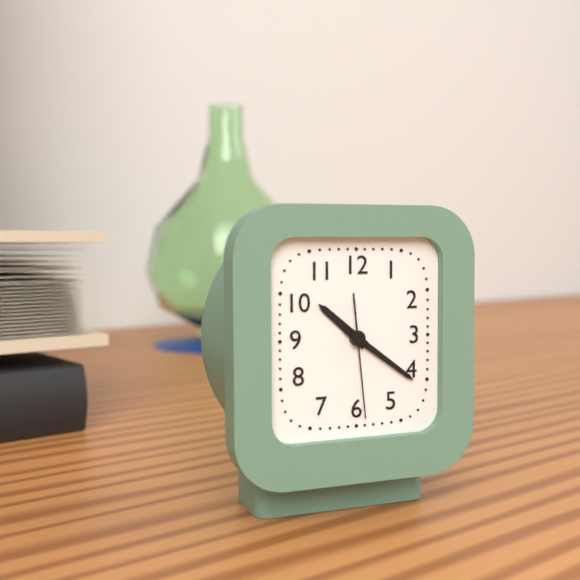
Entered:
10h21m29s
